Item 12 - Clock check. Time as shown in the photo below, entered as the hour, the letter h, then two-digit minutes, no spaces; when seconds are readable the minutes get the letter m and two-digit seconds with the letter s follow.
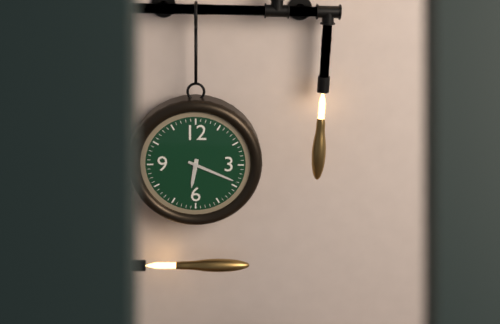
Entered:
6h19
